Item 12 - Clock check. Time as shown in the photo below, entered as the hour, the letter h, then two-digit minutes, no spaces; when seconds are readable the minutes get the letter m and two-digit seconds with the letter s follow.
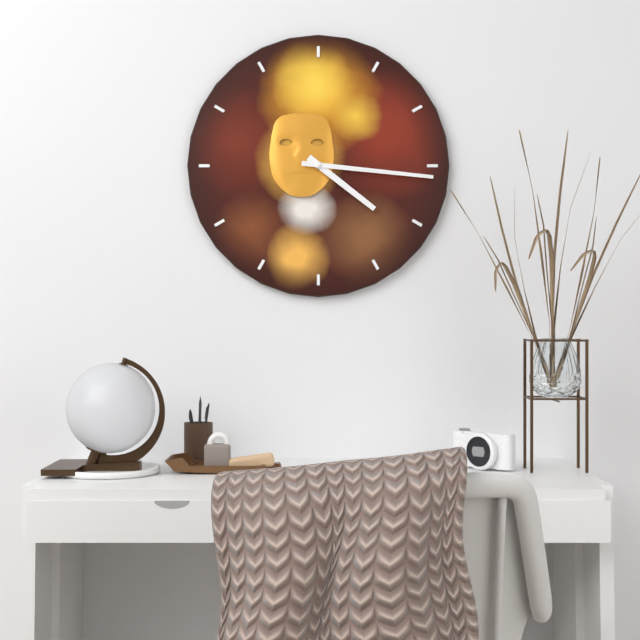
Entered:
4h16
